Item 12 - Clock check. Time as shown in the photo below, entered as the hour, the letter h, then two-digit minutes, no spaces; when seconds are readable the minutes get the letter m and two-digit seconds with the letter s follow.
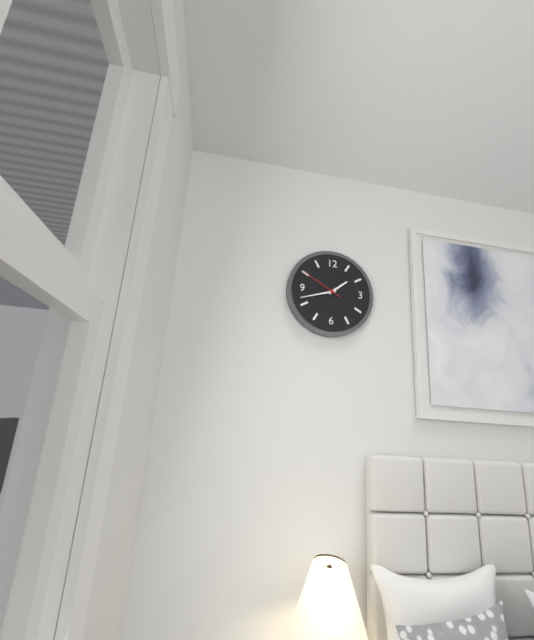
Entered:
1h42
